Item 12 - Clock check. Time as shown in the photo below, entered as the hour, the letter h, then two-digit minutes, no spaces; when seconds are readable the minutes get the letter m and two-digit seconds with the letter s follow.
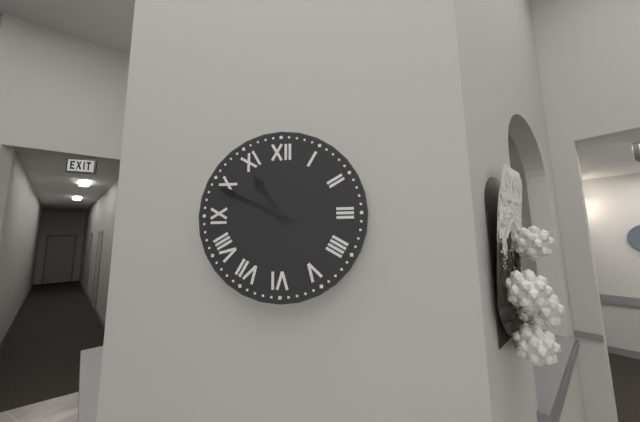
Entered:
10h49
